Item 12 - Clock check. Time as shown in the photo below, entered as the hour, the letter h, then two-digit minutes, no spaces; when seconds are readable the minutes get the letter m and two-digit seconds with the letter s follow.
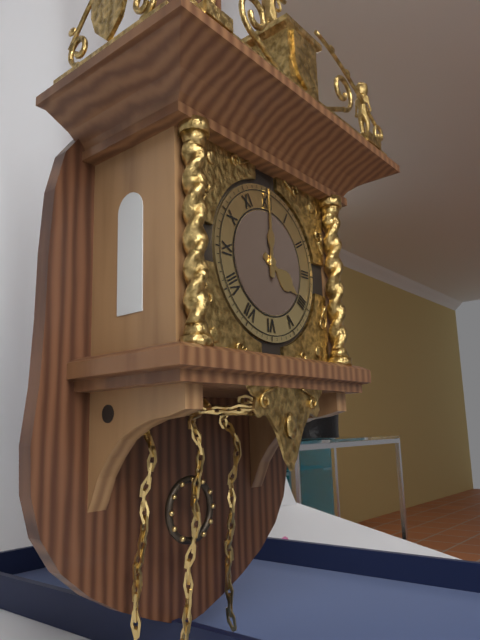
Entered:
4h00
